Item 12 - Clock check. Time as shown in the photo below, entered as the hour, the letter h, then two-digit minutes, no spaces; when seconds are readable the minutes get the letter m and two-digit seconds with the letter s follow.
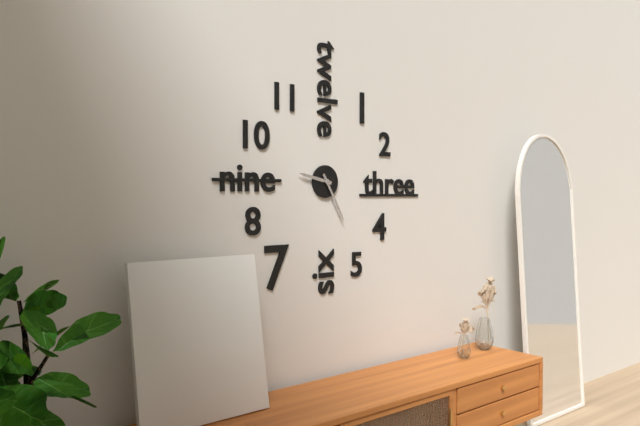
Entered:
9h25
